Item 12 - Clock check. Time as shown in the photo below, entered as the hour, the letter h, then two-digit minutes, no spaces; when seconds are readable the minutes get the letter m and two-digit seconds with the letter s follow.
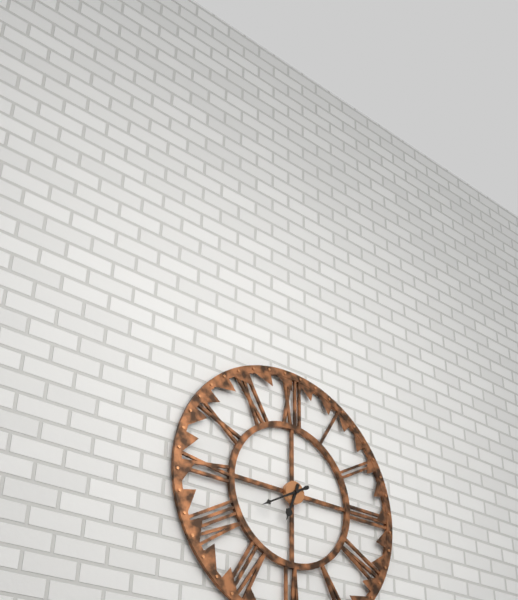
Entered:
6h40
